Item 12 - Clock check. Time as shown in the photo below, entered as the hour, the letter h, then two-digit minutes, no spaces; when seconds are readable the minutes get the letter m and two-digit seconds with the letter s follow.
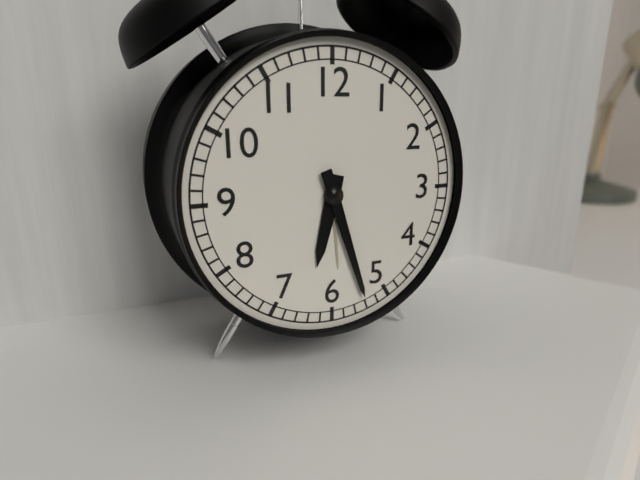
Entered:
6h27
